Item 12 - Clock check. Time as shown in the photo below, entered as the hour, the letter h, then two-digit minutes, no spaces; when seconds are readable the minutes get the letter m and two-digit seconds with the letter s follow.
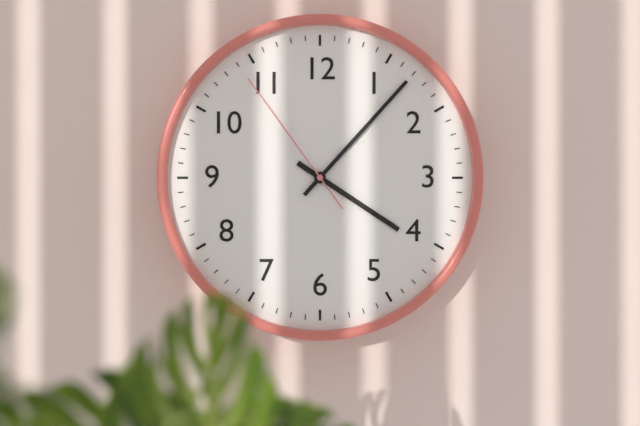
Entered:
4h07m54s
